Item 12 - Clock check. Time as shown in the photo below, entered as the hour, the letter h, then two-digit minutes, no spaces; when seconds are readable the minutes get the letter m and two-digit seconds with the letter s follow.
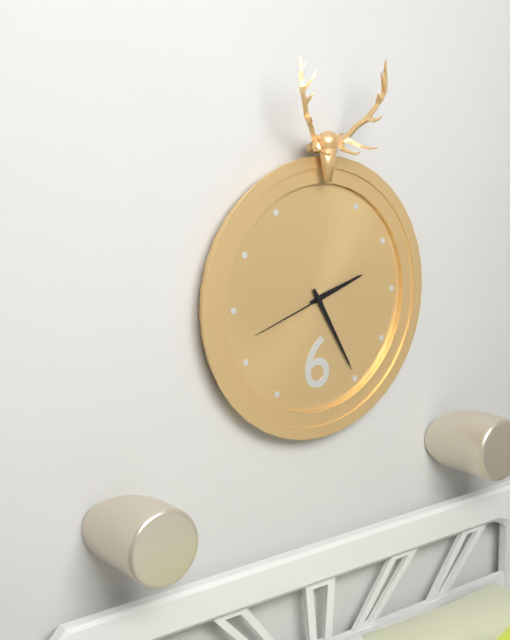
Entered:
2h25m42s
